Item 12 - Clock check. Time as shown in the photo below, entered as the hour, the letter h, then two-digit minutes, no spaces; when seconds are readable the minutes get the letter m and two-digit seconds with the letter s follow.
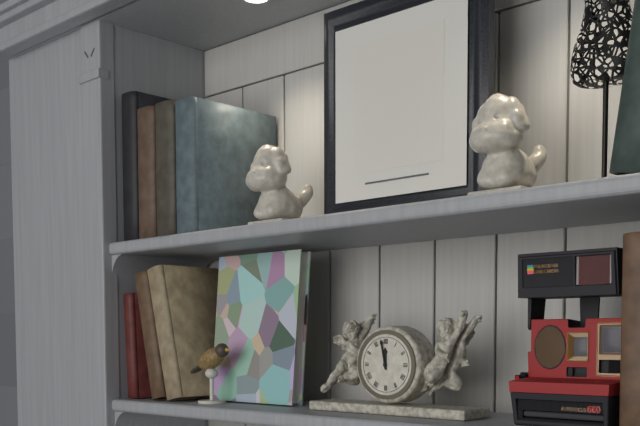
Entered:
11h58
